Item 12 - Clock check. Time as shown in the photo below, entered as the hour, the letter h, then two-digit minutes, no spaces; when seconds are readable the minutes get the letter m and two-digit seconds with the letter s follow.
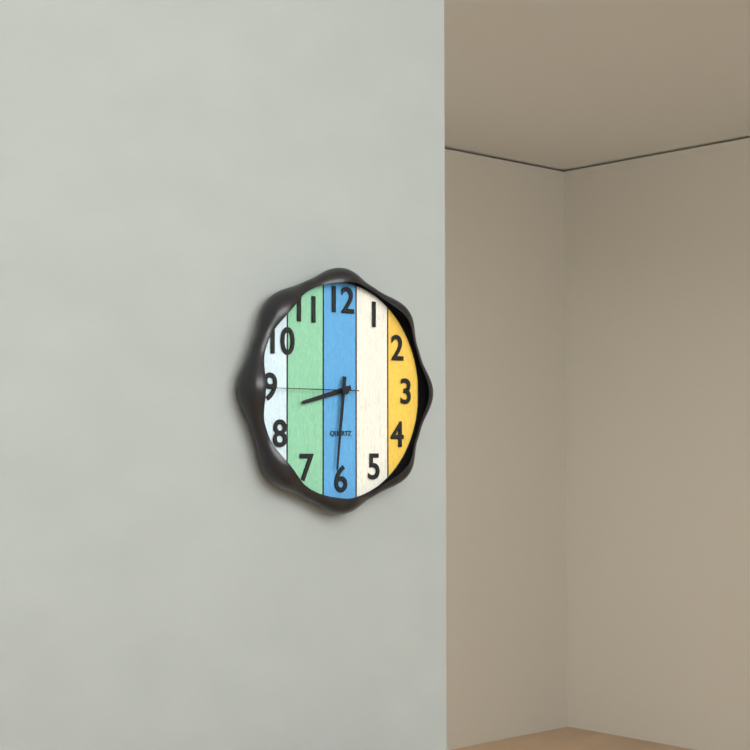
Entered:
8h31m45s
